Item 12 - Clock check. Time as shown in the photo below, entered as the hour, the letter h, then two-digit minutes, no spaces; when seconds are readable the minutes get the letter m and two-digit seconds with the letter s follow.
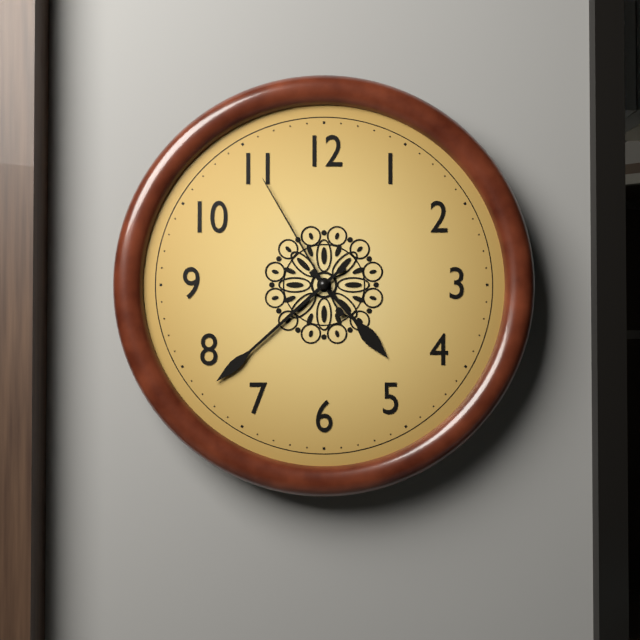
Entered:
4h38m55s
